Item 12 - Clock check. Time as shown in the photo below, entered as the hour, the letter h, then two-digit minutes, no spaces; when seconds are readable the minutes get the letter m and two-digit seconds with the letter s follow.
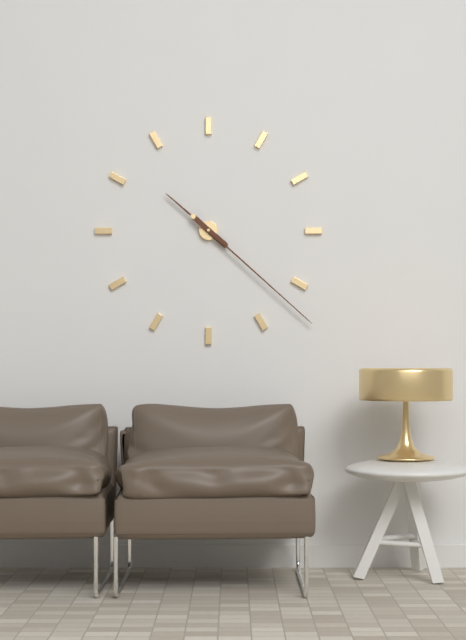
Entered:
10h22
